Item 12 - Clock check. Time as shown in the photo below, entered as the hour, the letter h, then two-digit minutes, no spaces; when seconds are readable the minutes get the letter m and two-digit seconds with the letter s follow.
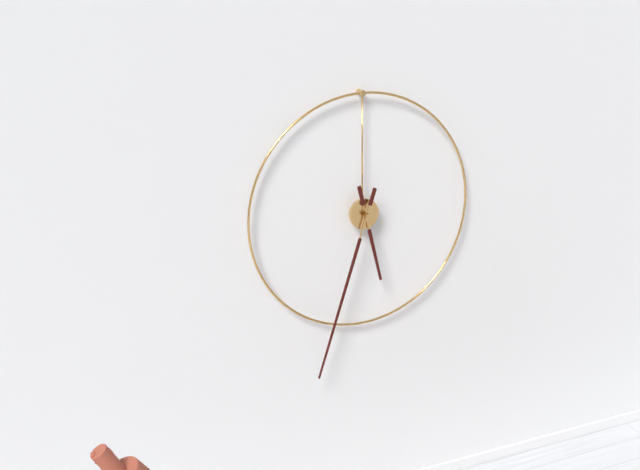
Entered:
5h33
